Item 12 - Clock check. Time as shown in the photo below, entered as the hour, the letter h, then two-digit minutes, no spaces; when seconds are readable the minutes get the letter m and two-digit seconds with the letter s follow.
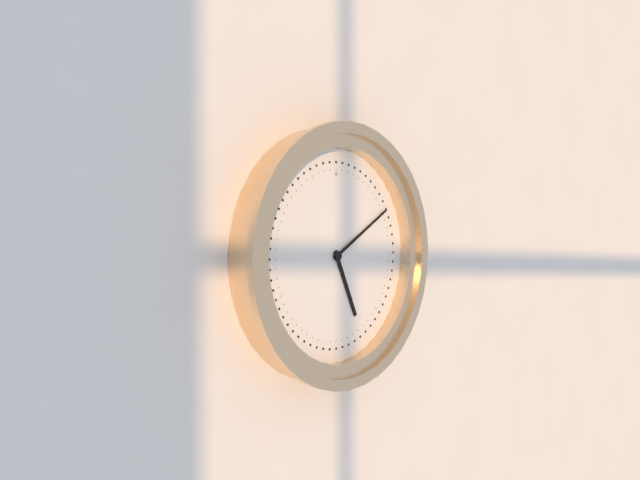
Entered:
5h10
